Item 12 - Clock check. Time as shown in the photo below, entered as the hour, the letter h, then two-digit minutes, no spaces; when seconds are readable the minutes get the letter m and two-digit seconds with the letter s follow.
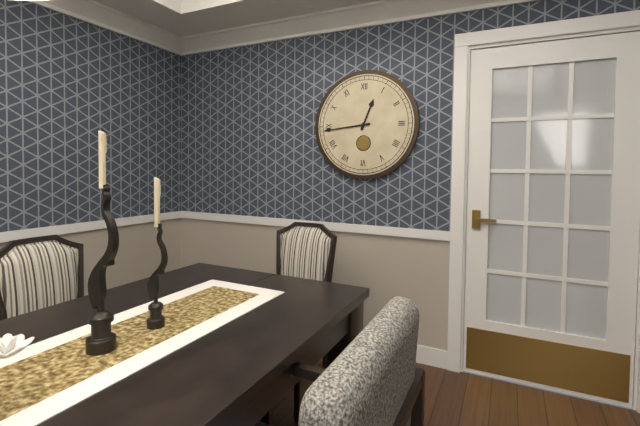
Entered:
12h44
